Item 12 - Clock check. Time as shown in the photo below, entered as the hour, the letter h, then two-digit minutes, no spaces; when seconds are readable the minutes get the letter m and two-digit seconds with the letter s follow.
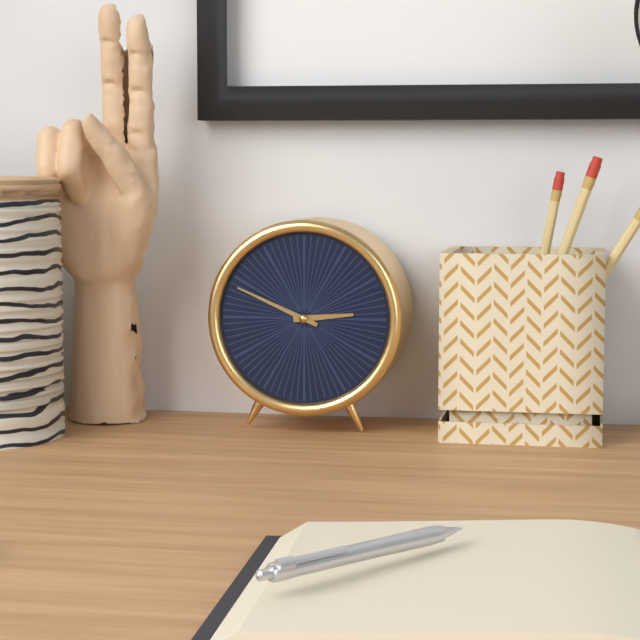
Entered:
2h49
